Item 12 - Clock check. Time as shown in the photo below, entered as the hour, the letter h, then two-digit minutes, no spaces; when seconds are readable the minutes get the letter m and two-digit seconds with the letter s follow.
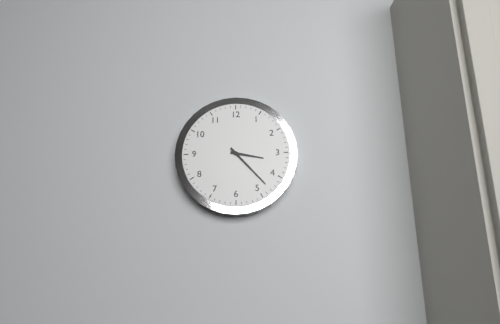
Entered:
3h23
